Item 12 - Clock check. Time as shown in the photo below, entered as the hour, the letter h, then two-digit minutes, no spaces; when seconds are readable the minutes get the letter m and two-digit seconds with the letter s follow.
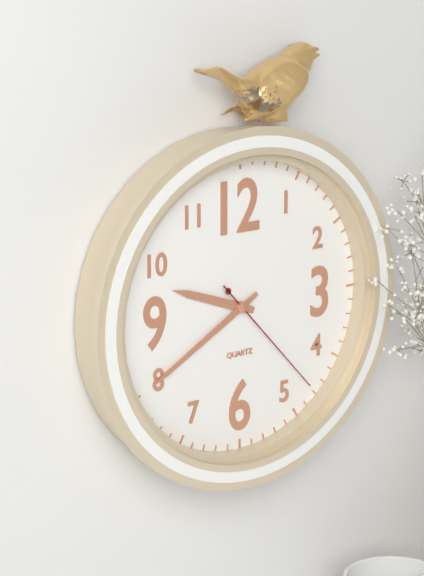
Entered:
9h40m23s
